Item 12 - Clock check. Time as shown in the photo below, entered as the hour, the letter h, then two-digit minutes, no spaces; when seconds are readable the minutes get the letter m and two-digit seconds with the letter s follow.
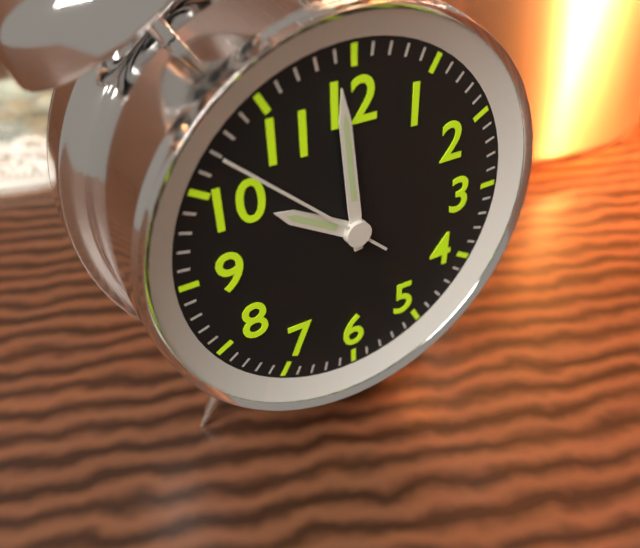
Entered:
9h59m52s
